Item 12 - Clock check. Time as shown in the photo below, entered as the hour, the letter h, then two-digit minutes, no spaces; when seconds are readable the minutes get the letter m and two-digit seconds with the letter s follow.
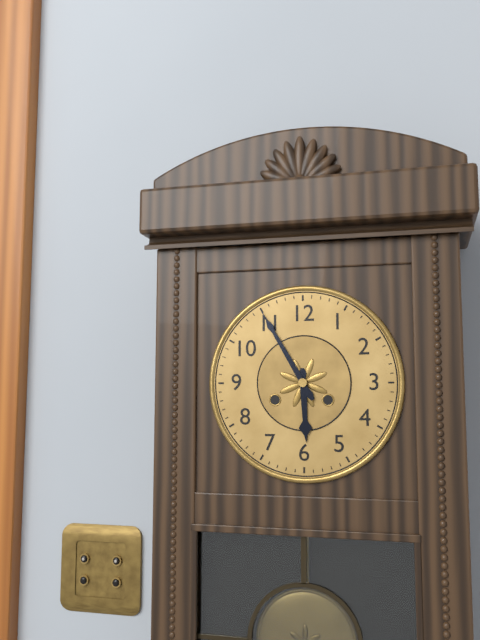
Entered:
5h55
